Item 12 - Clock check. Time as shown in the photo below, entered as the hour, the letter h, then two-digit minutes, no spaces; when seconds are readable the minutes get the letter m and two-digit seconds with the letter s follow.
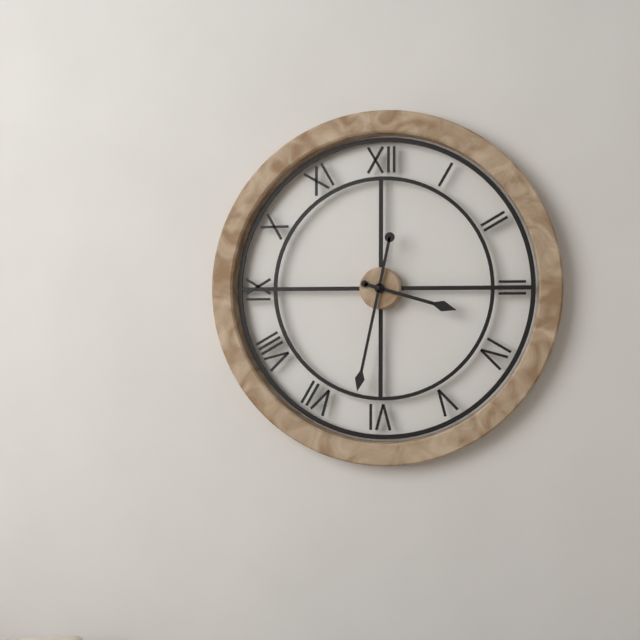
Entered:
3h32
